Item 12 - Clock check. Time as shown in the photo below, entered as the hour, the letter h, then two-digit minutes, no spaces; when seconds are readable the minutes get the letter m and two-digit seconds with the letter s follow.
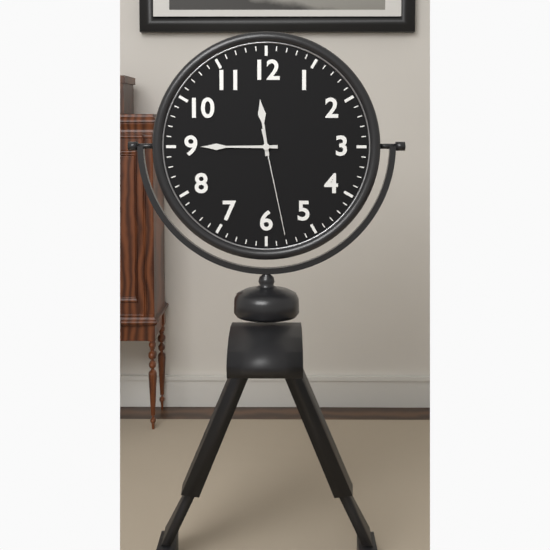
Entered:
11h45m28s
